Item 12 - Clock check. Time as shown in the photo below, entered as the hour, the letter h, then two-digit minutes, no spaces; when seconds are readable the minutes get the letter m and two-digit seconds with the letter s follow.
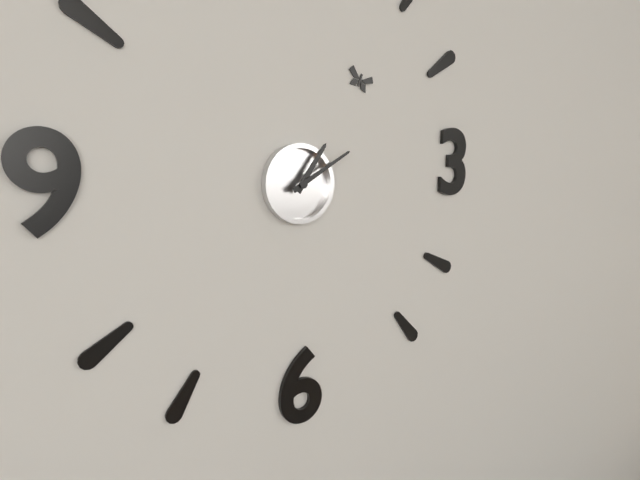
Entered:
1h10
